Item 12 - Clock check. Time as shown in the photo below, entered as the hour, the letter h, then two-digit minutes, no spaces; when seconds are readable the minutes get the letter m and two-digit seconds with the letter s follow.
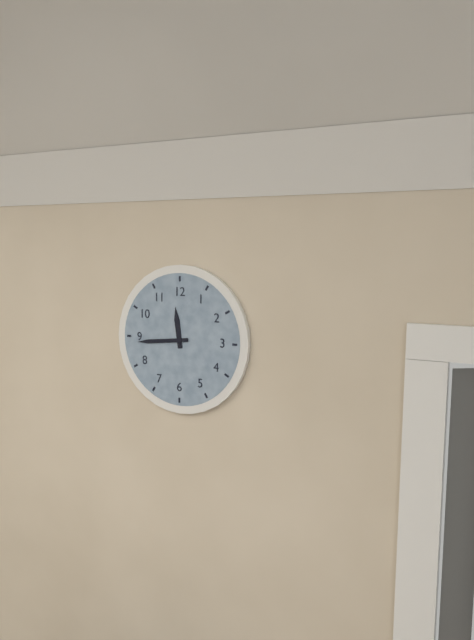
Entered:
11h44
